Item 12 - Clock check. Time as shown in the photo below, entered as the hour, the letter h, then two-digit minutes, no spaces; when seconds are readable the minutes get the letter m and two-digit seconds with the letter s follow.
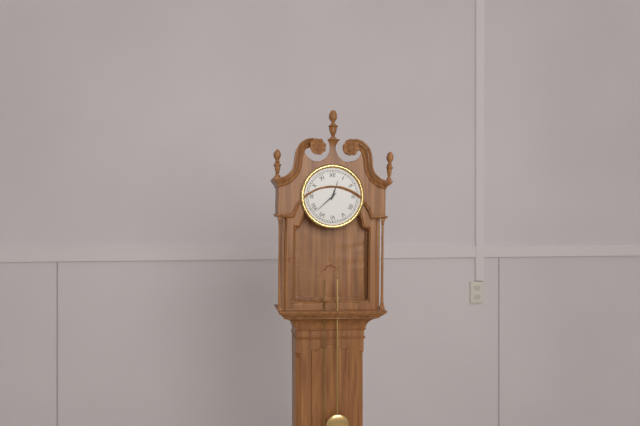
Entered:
12h38
